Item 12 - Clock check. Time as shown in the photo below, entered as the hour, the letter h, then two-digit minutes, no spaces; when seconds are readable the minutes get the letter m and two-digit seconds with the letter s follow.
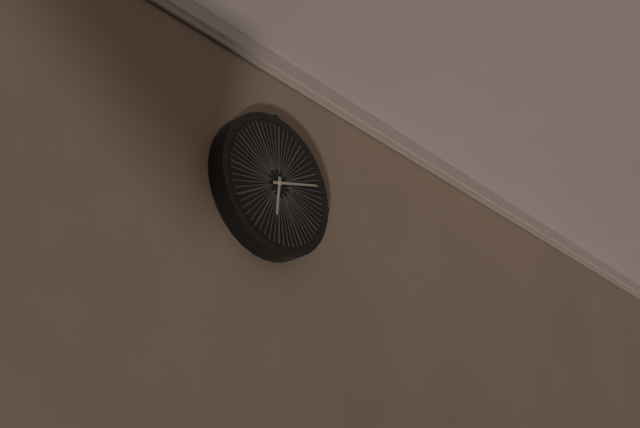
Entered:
6h12
